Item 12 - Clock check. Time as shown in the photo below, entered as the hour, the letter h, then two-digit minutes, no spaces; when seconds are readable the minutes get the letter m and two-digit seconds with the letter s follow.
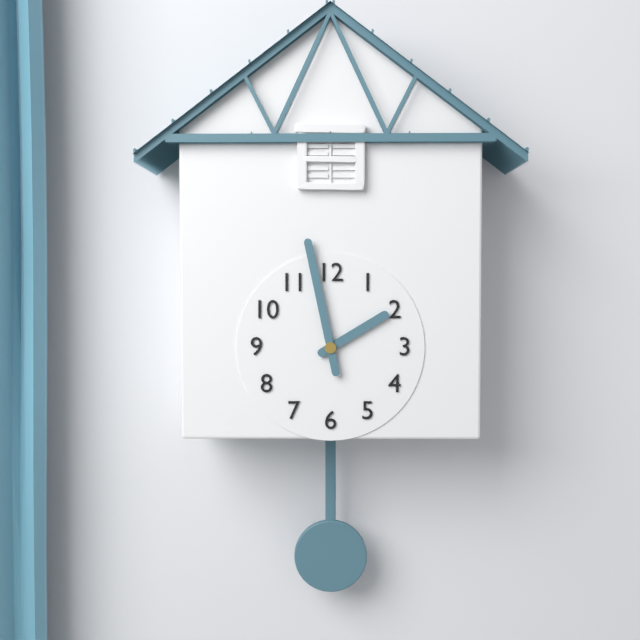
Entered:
1h58
